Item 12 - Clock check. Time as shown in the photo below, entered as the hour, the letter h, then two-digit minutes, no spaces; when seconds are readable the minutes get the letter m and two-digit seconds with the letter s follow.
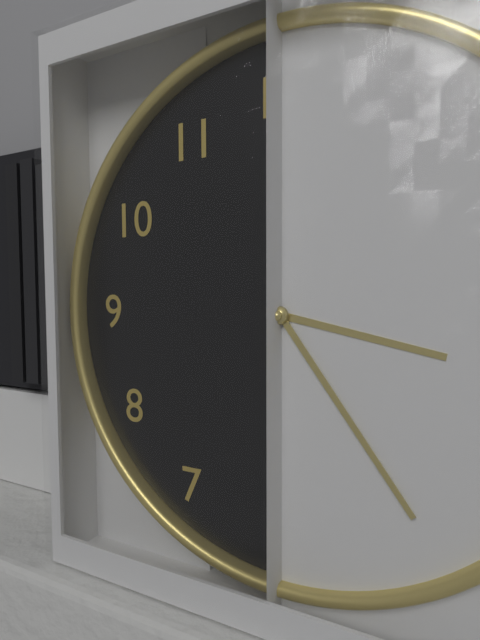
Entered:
3h24
